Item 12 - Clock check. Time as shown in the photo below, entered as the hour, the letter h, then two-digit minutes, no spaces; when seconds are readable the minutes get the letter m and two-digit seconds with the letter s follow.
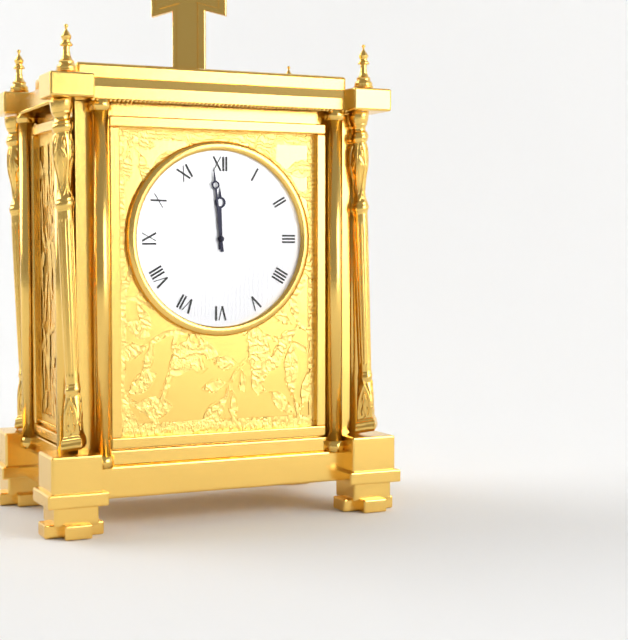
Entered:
11h59
